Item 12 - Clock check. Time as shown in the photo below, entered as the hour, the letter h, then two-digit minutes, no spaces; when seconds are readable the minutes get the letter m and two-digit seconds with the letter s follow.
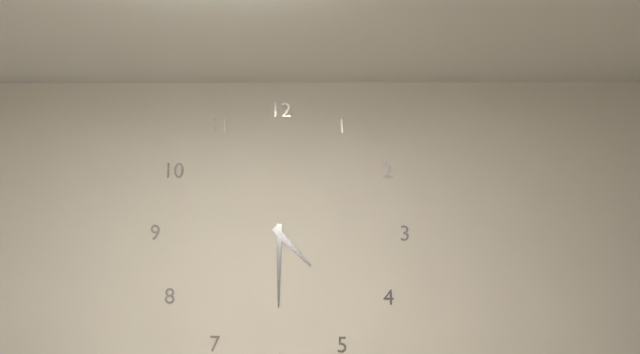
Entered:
4h30
